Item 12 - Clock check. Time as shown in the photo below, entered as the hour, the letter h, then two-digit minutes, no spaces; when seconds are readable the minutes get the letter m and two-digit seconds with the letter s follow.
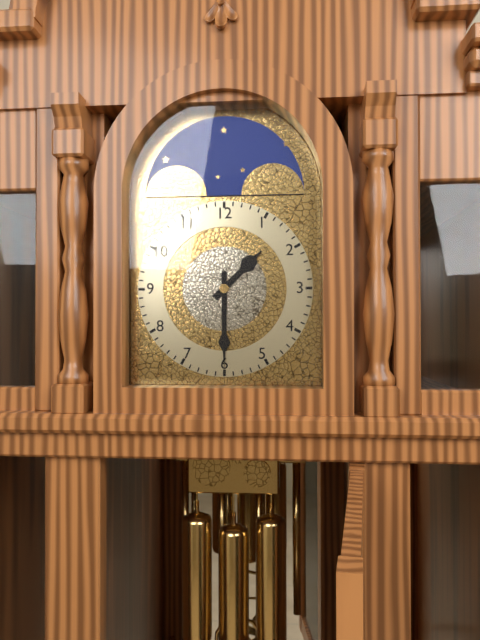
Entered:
1h30
